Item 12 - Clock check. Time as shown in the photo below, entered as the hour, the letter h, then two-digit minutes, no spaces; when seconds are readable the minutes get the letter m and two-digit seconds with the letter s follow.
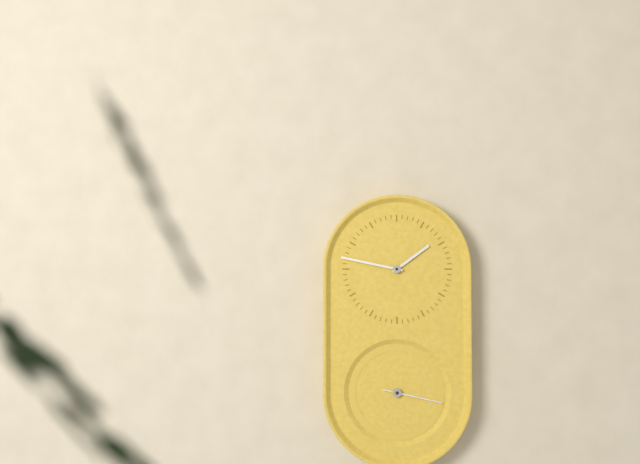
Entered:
1h47m17s
